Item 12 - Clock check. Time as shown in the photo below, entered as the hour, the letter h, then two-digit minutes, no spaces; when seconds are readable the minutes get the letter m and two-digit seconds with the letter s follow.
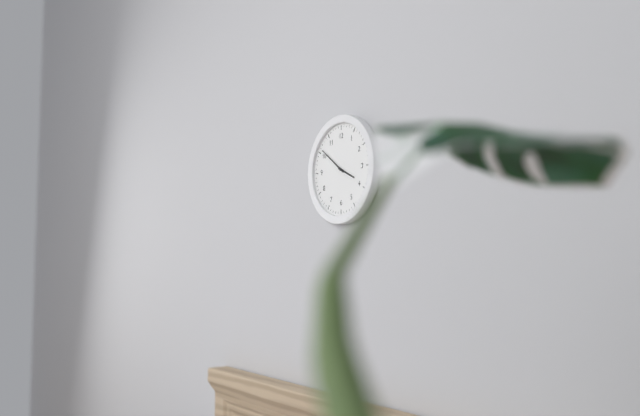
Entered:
3h51
